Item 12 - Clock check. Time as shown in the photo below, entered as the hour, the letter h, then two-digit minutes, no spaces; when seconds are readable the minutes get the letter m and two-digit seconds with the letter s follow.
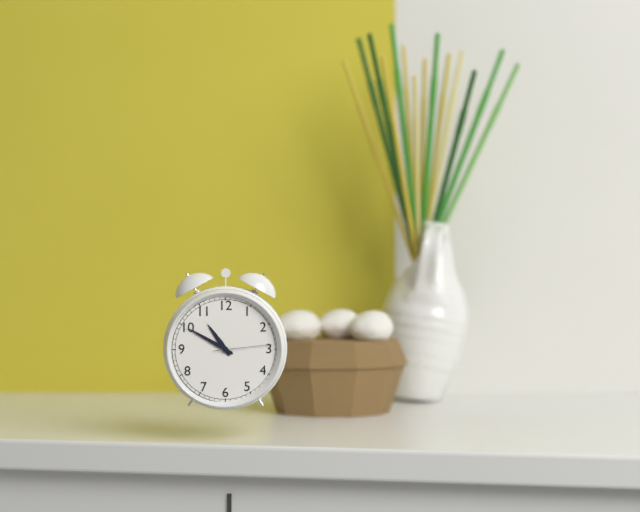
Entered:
10h50m14s
